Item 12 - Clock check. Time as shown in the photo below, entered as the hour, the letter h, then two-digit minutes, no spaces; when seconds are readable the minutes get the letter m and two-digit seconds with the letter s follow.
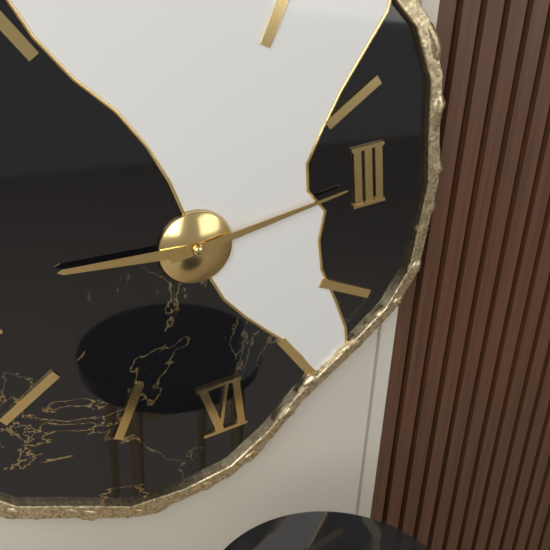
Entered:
9h14
